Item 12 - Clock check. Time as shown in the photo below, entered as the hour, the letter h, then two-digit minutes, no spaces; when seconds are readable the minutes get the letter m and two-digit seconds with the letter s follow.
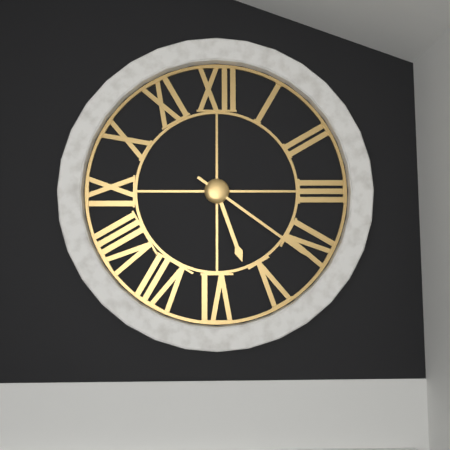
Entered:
5h21
